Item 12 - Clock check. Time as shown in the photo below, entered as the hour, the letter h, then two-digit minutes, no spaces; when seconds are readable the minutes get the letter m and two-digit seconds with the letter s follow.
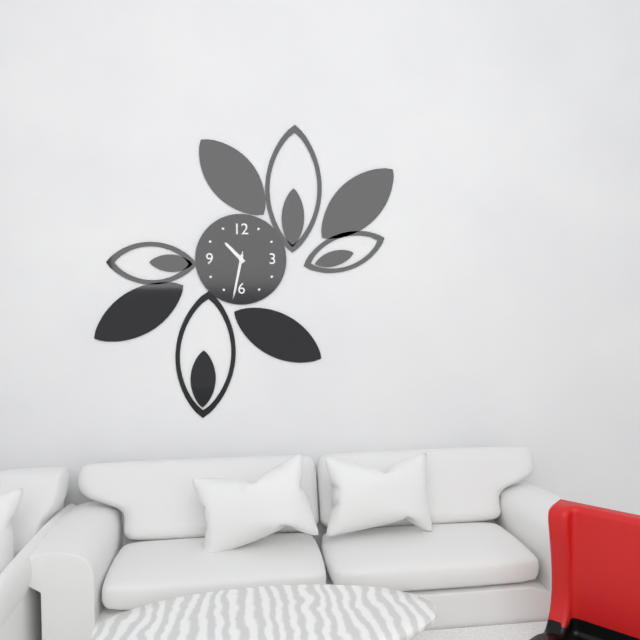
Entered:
10h32m32s
